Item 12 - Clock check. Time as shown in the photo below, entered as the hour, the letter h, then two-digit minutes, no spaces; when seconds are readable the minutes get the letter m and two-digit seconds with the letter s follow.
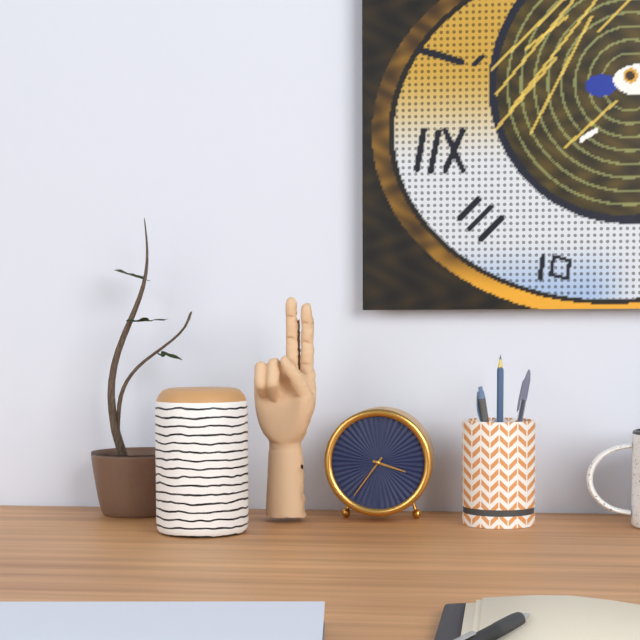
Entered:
3h36
